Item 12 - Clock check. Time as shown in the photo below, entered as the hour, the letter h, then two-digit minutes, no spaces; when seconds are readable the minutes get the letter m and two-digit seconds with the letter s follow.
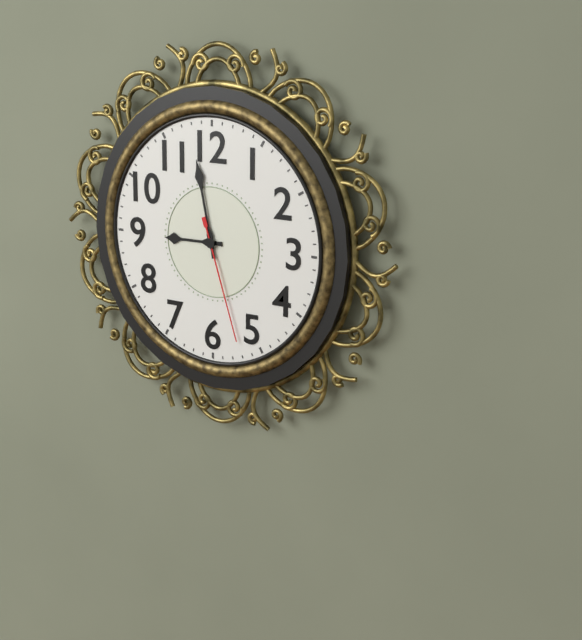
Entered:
8h58m27s
